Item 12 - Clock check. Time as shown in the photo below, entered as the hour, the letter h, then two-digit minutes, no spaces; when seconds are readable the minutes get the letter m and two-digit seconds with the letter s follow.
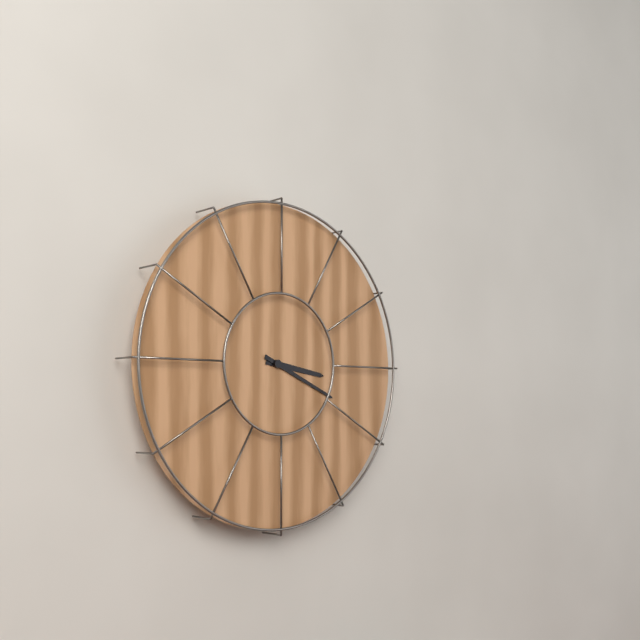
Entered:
3h19
